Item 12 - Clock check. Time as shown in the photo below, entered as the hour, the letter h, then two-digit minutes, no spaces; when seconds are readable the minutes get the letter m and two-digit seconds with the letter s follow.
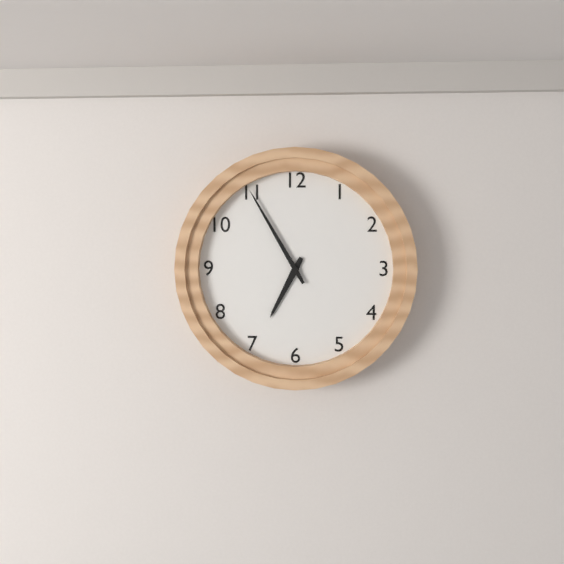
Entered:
6h55
